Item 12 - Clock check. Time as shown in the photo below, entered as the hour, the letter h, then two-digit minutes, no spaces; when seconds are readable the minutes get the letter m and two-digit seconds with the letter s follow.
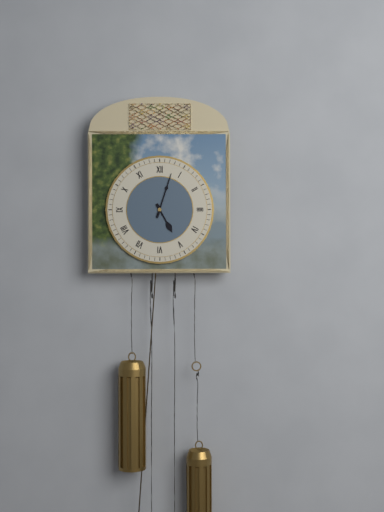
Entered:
5h03
